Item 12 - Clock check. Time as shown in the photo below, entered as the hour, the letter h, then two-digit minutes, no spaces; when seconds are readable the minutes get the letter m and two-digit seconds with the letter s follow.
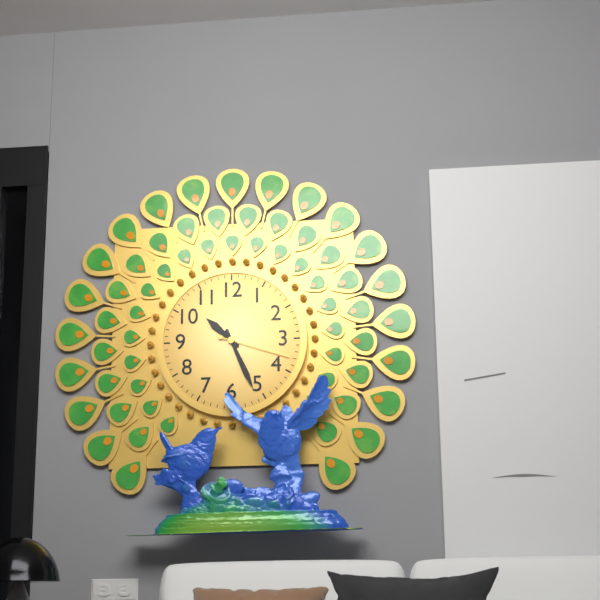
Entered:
10h26m18s
